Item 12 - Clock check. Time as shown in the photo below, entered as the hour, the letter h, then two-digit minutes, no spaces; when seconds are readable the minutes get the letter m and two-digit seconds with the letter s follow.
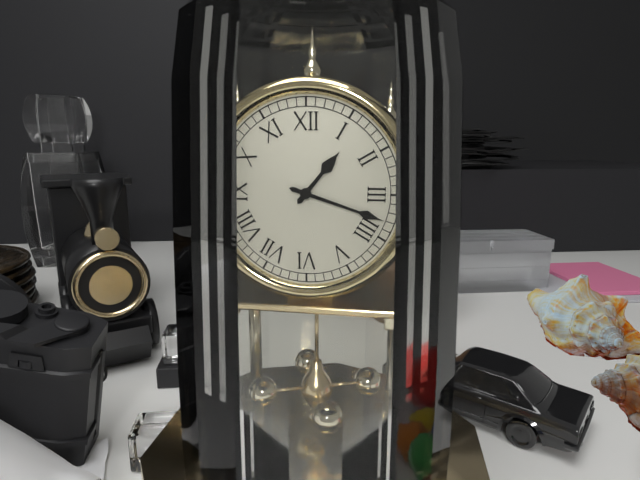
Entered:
1h18
